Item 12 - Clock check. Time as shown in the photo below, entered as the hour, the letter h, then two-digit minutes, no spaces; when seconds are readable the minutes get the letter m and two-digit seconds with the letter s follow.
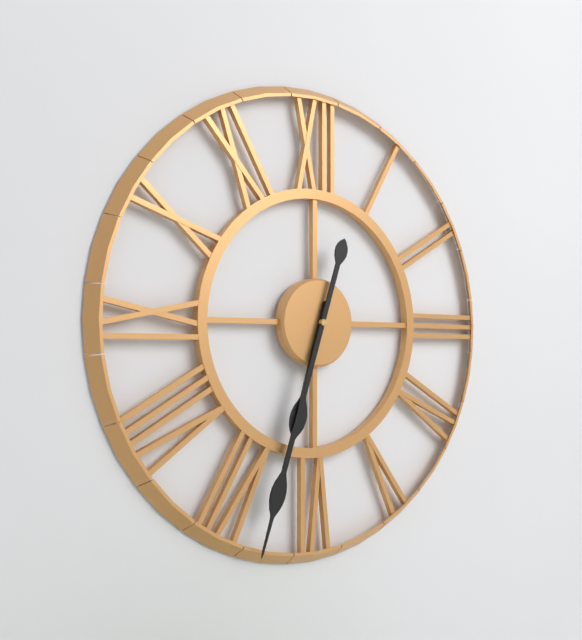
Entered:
6h33
